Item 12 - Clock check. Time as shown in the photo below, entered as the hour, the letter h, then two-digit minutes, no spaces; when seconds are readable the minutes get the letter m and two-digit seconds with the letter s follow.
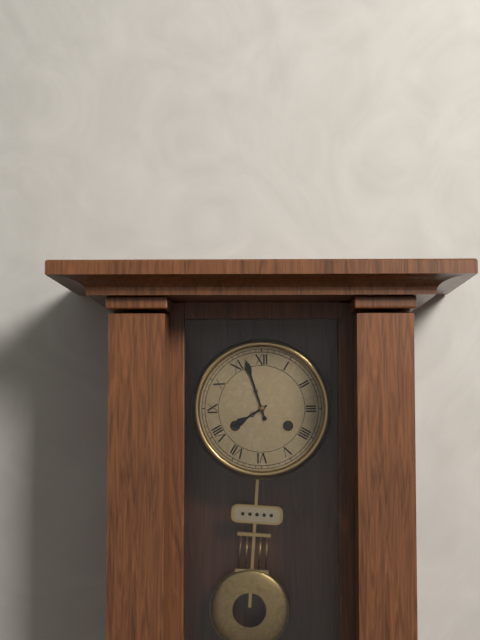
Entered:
7h57
